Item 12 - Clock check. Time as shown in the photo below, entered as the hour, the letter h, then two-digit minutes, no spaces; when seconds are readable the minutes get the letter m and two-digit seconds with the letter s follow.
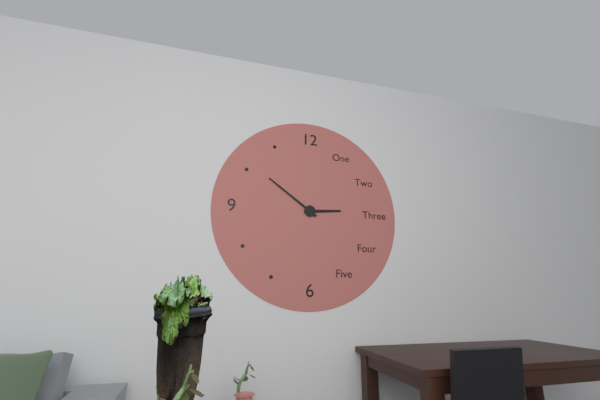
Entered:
2h51
